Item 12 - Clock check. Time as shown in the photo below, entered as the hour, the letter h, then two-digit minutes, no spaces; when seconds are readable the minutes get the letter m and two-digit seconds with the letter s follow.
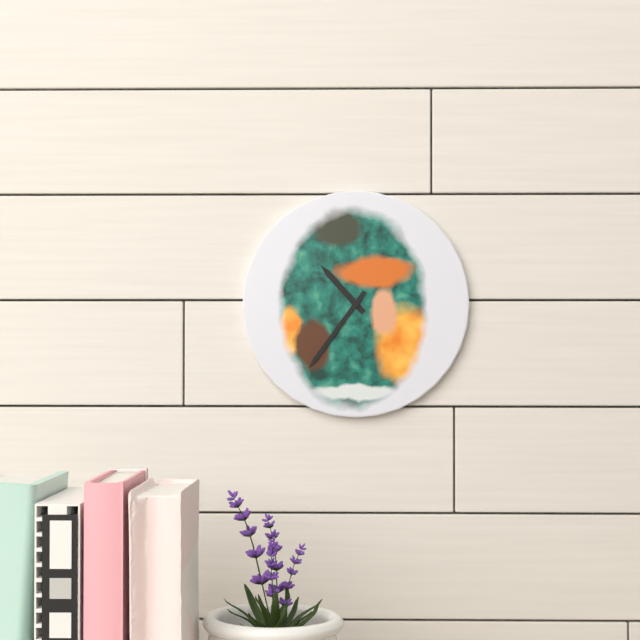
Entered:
10h36
